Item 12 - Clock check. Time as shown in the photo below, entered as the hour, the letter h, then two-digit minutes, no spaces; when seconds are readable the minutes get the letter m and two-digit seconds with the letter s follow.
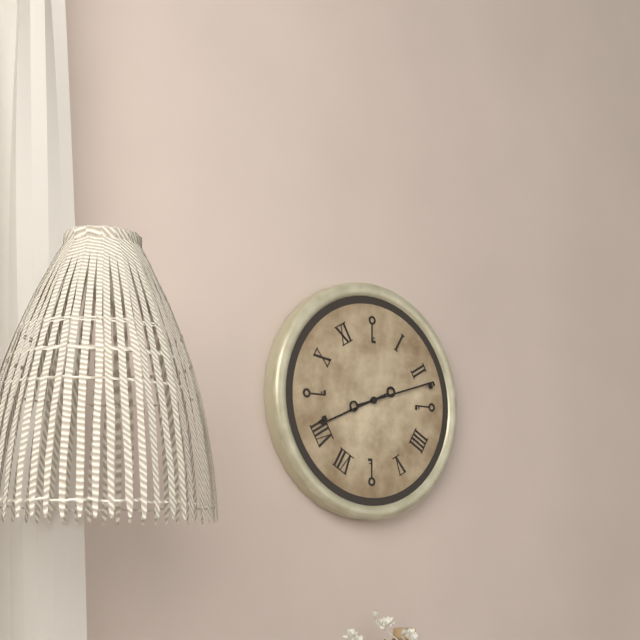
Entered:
8h12
